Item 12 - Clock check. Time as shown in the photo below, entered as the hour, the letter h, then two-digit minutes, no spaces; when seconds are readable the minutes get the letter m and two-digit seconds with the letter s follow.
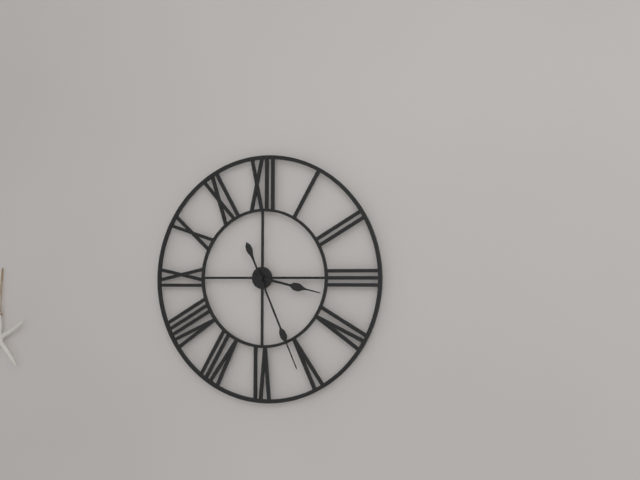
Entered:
3h26
